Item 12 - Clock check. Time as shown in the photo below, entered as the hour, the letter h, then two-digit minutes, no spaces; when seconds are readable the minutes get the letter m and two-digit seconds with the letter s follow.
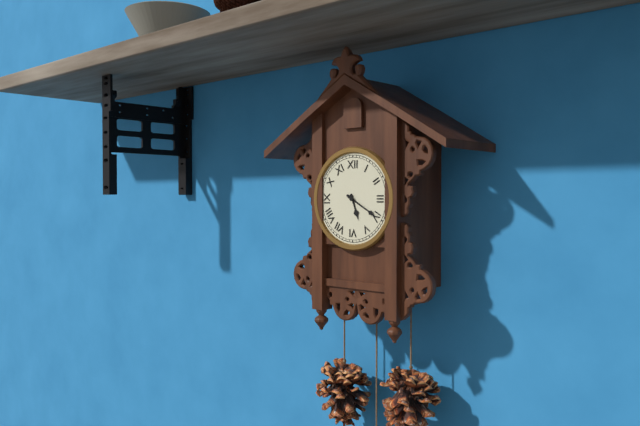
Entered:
5h20
